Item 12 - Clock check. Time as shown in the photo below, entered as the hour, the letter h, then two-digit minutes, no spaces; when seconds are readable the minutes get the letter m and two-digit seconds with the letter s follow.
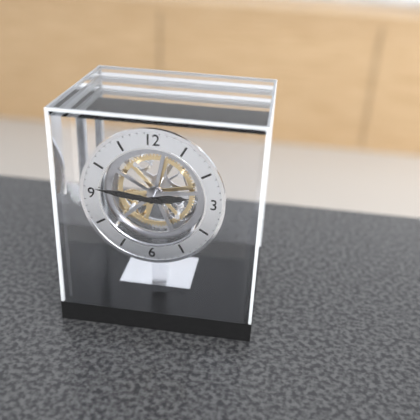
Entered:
2h46
